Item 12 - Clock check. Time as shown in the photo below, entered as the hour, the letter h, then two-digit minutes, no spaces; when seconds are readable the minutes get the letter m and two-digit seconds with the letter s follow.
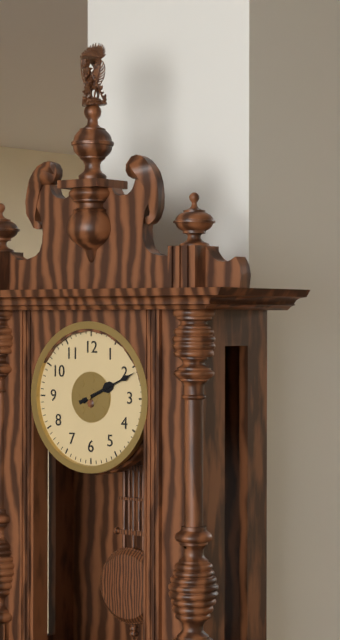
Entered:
2h11
